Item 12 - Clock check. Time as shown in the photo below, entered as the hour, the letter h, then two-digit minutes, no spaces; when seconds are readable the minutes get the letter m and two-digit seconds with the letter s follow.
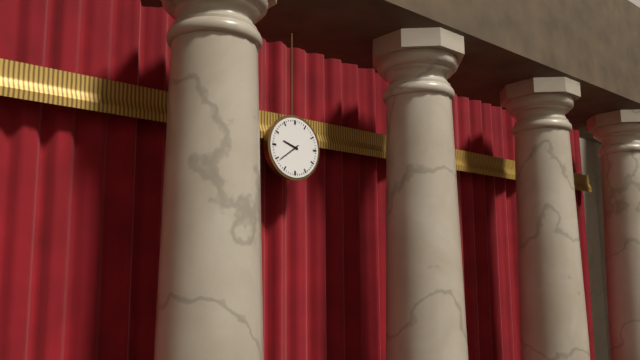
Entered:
9h39
